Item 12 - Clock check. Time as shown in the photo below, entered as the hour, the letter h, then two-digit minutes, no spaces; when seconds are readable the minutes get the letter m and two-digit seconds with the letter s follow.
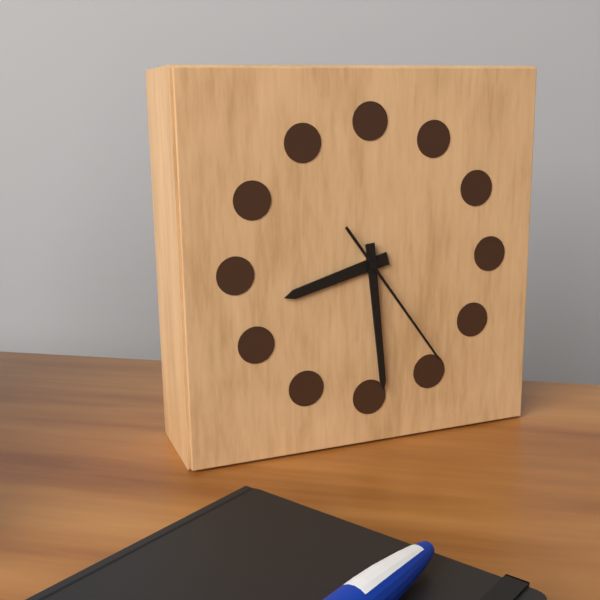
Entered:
8h29m24s
